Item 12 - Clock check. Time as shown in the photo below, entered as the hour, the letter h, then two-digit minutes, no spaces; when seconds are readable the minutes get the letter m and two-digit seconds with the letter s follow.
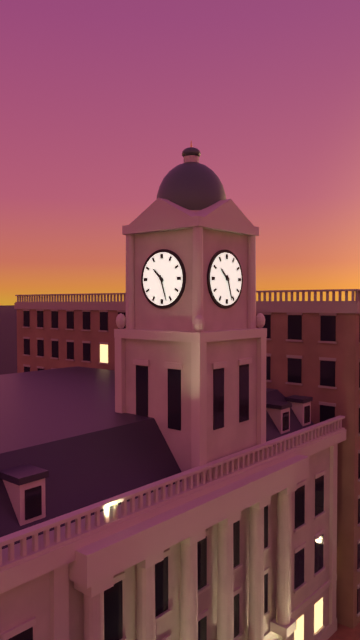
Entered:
10h27
